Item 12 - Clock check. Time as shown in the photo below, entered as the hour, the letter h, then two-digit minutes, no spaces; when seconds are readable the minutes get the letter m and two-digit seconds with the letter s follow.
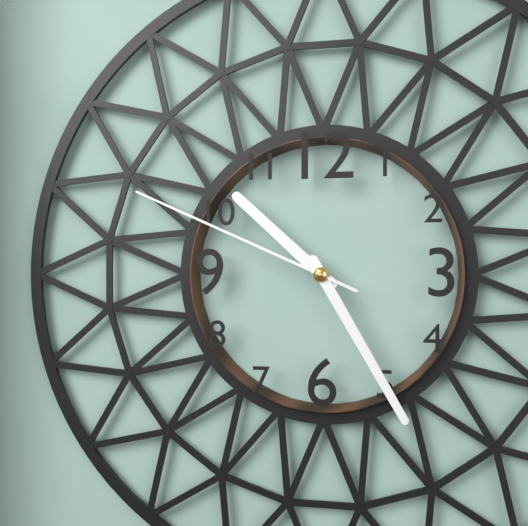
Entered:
10h25m49s
